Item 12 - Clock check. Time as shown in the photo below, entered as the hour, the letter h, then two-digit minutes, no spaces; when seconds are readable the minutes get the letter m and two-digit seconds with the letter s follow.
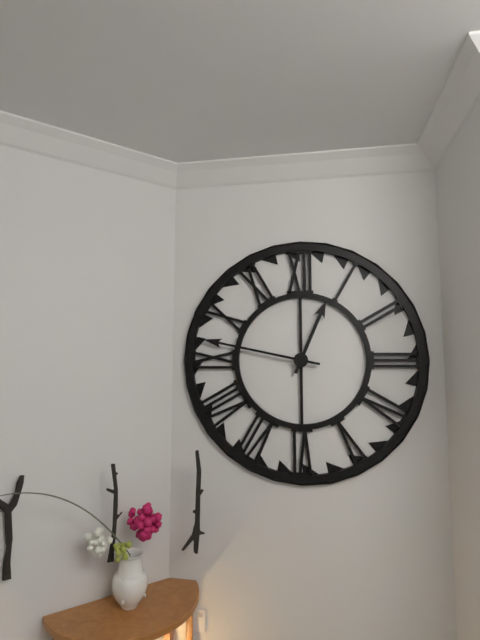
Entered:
12h47
